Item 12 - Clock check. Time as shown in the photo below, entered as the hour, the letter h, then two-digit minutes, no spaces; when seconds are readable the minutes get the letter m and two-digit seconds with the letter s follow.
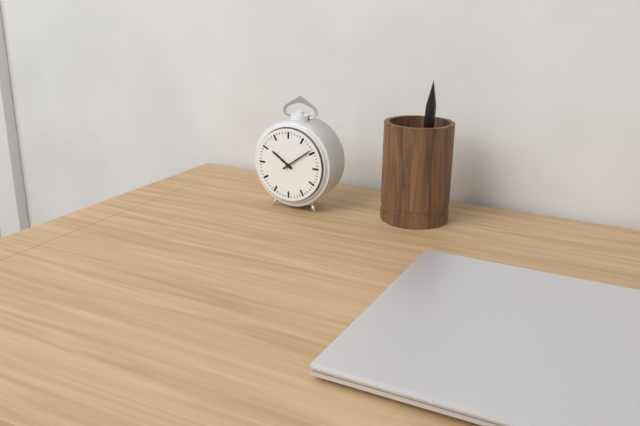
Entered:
10h09
